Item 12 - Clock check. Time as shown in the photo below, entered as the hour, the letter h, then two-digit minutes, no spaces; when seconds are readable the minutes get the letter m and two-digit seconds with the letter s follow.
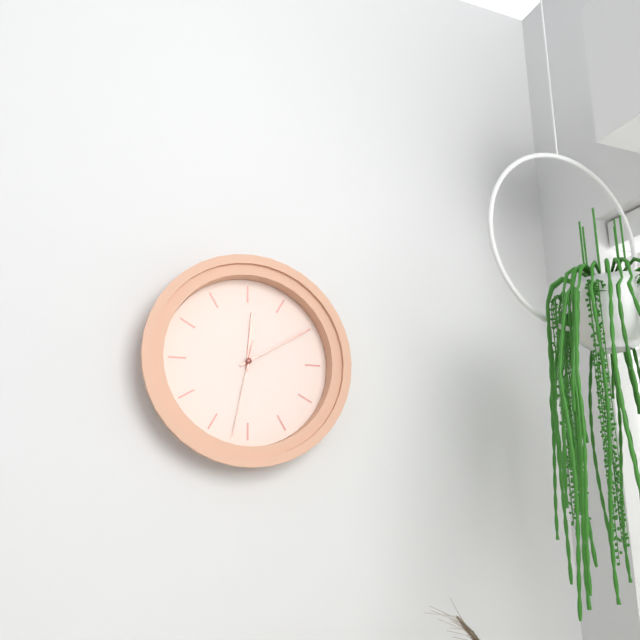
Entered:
12h10m32s
